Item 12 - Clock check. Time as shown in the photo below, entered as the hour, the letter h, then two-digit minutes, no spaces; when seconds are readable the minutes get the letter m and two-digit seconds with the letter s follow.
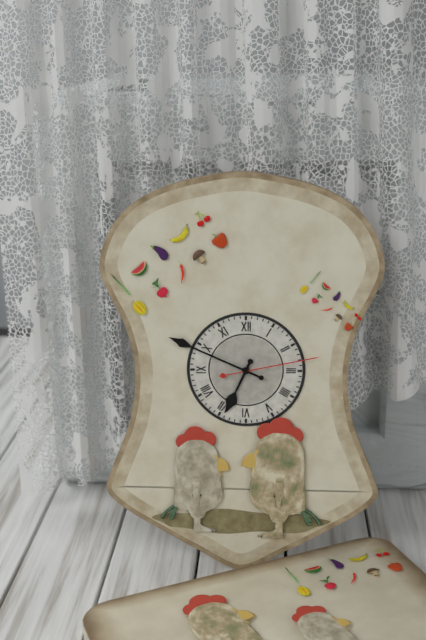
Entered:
6h49m13s
